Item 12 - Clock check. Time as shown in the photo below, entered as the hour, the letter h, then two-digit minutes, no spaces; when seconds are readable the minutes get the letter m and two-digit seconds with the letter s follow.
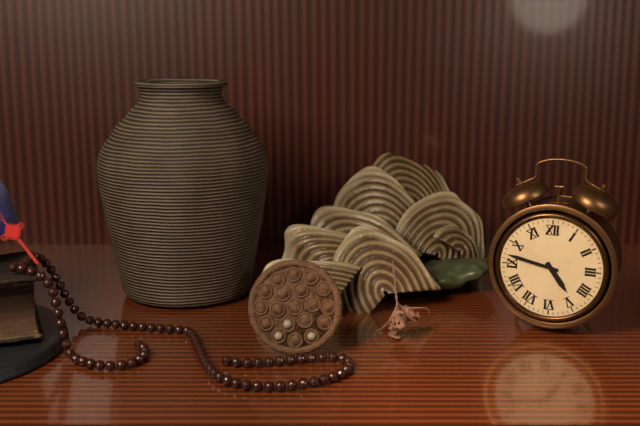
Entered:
4h47
